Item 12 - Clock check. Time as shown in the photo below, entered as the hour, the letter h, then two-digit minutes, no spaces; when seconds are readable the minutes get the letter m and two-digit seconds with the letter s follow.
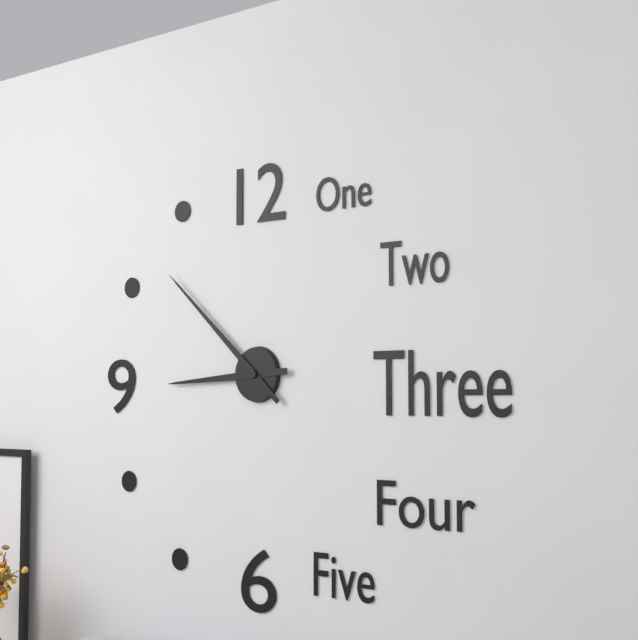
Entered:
8h52
